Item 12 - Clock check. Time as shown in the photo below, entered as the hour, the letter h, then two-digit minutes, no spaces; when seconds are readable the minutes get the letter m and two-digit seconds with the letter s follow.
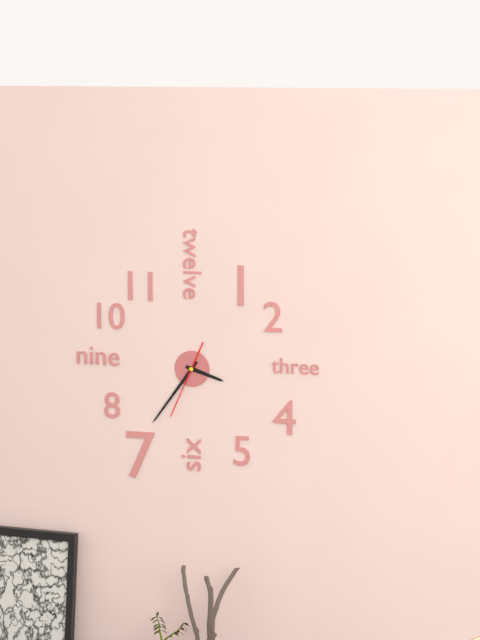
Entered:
3h36m34s
